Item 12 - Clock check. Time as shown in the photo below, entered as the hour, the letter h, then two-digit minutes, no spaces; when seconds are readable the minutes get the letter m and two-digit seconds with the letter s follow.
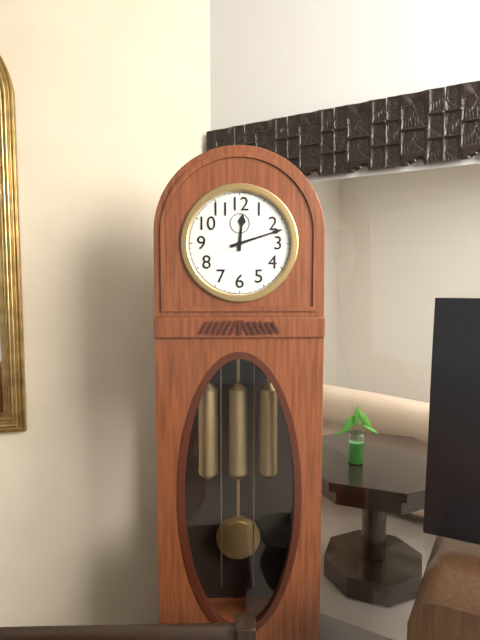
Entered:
12h12
